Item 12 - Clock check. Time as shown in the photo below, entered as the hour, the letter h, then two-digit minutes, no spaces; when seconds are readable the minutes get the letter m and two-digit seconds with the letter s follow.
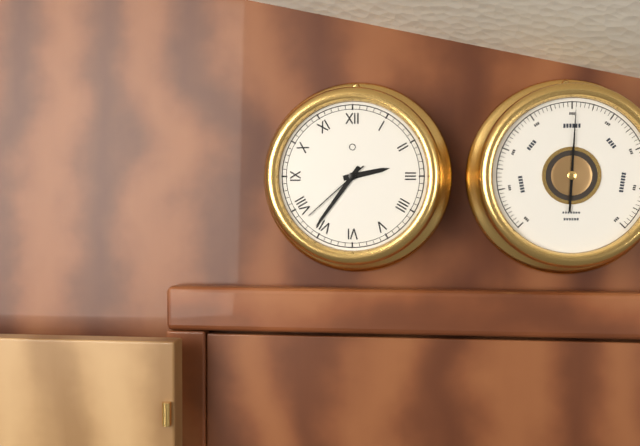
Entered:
2h36m38s
